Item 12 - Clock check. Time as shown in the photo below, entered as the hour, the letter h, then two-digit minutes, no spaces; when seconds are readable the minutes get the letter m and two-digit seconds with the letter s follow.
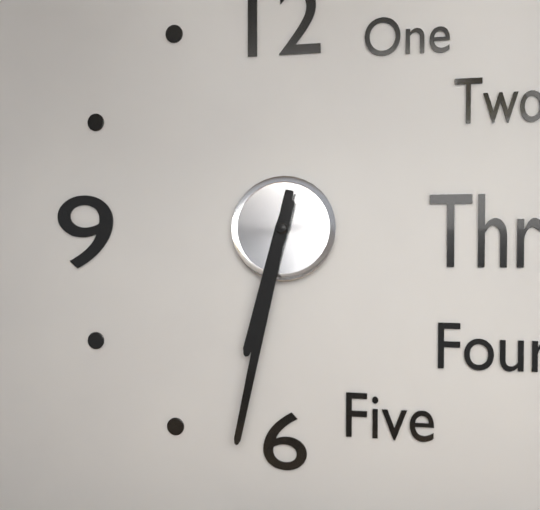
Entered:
6h32
